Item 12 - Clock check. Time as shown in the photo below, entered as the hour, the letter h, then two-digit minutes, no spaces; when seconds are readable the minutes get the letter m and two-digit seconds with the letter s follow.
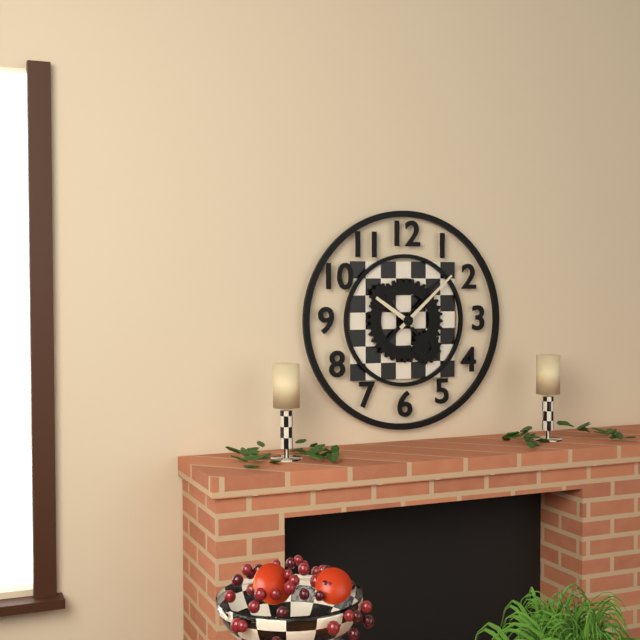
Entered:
10h08
